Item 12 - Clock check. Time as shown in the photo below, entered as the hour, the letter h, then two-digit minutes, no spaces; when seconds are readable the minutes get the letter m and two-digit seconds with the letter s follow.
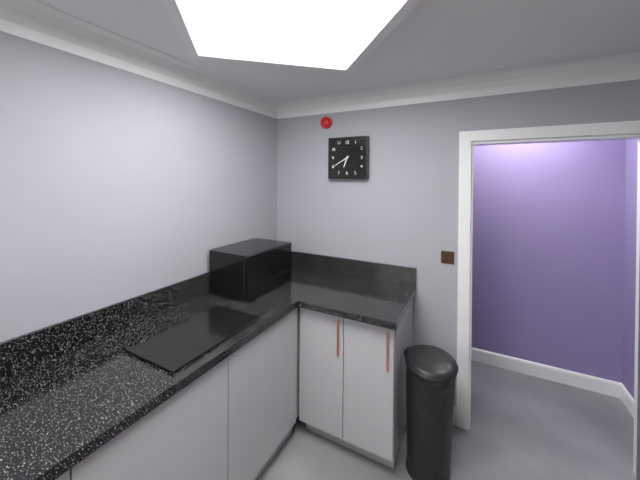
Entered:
6h40
